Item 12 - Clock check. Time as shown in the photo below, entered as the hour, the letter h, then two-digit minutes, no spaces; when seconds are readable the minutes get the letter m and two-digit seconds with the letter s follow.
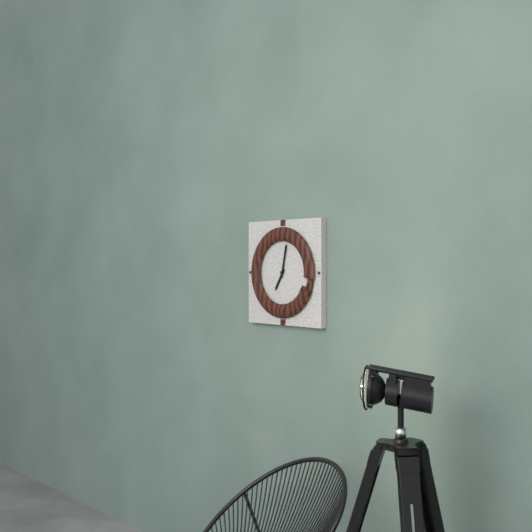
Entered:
7h02
